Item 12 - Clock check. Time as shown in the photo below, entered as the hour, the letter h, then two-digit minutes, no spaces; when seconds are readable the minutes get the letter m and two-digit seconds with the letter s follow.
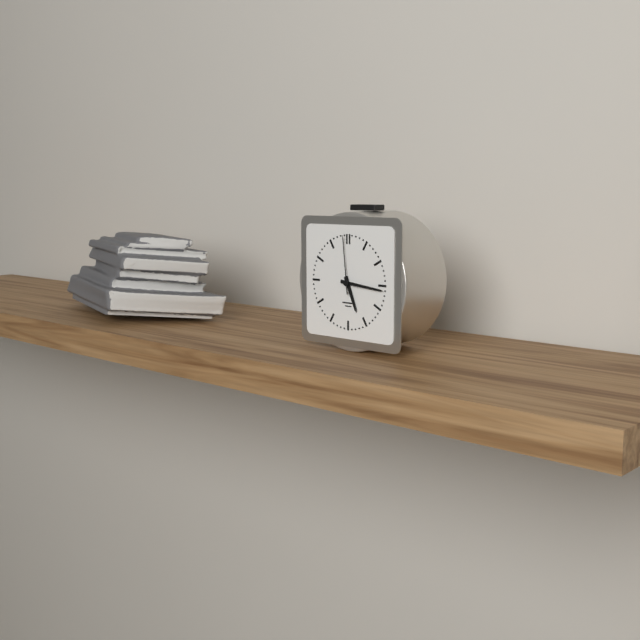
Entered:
5h16m59s
